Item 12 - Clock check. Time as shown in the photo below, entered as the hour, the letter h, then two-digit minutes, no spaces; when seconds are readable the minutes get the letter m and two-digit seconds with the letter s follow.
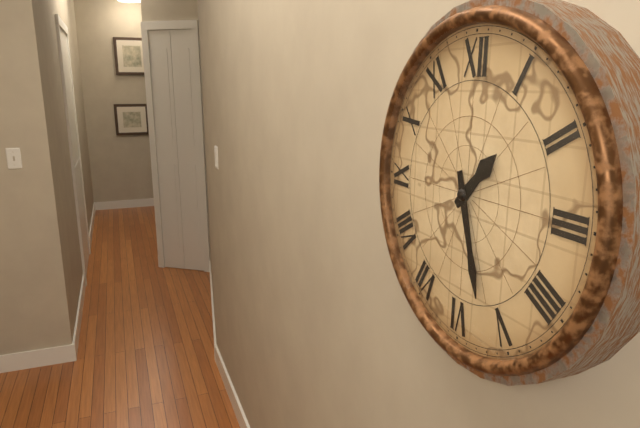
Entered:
1h27
